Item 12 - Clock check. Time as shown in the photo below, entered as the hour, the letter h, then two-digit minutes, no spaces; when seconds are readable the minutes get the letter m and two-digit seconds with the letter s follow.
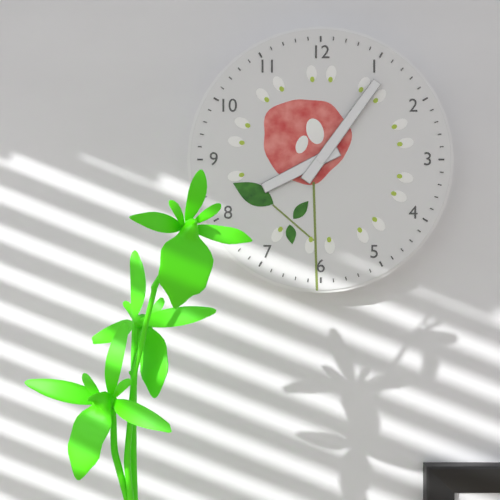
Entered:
8h06
